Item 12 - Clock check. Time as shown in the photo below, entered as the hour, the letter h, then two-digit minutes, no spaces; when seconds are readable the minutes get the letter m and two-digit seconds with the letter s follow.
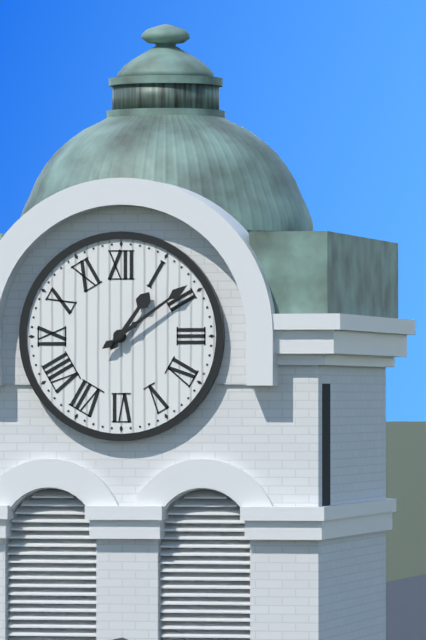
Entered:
1h09
